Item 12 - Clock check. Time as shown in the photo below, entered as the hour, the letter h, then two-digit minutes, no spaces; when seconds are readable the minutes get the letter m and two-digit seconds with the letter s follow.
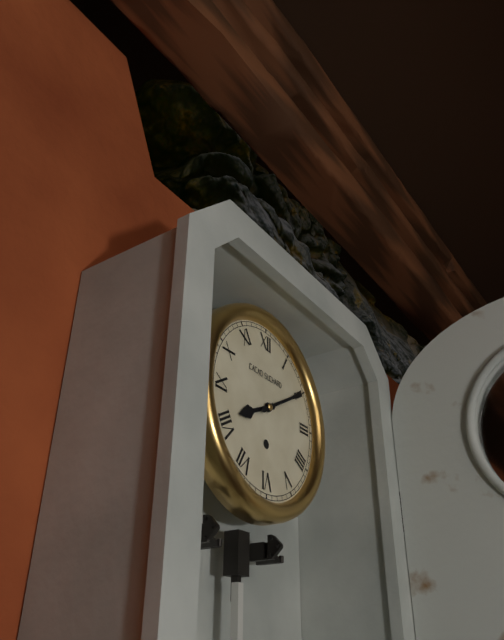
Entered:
8h10
